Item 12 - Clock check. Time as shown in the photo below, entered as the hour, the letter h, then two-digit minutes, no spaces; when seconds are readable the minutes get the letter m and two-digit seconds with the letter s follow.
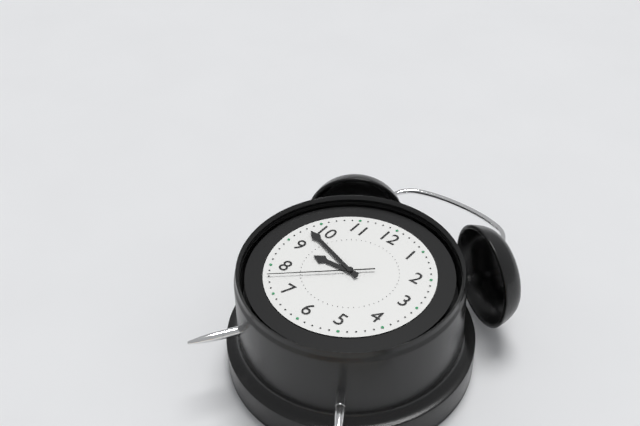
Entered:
8h48m38s
